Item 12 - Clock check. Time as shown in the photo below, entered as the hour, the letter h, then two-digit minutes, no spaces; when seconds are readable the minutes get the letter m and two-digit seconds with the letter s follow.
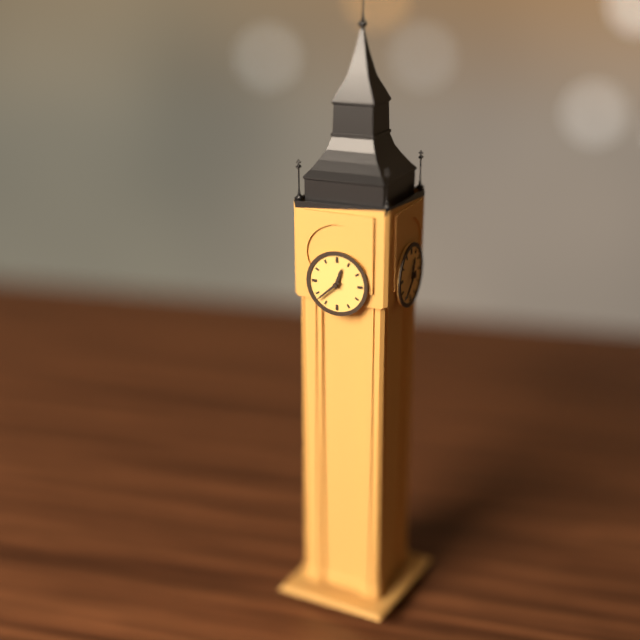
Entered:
12h38
